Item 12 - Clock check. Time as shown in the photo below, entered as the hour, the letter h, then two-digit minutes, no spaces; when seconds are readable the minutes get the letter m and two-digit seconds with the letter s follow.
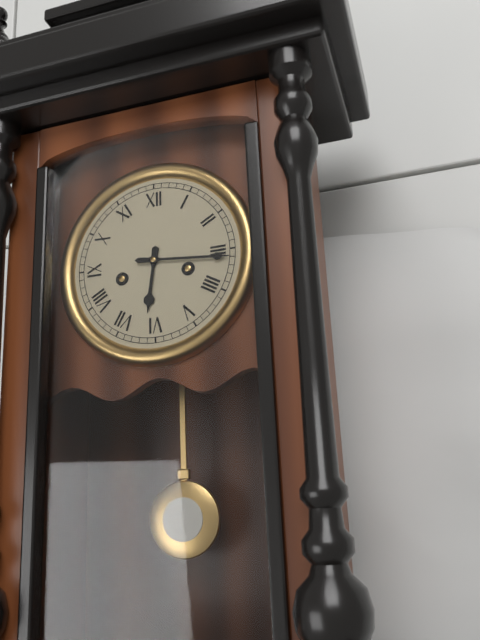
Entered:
6h16
